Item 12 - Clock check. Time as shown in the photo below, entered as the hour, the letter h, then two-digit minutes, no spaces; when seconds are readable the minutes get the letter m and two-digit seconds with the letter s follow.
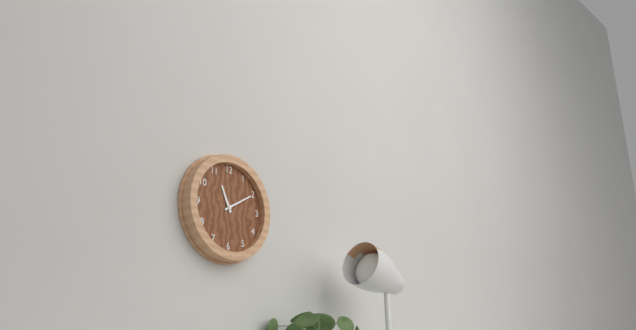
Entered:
11h10
